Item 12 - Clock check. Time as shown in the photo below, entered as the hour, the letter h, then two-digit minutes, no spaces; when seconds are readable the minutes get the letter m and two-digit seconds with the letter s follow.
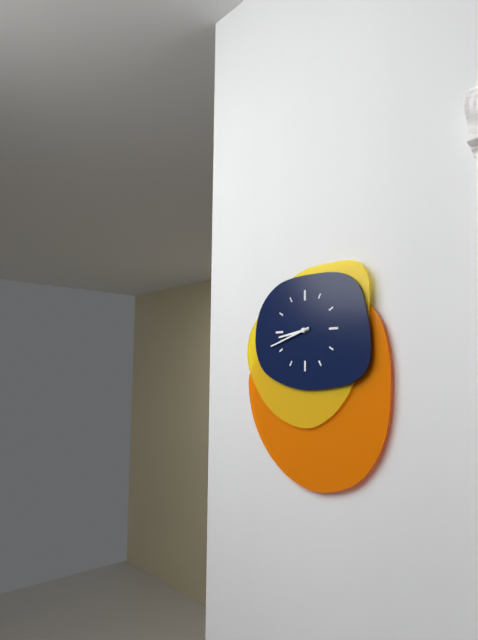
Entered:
8h42
